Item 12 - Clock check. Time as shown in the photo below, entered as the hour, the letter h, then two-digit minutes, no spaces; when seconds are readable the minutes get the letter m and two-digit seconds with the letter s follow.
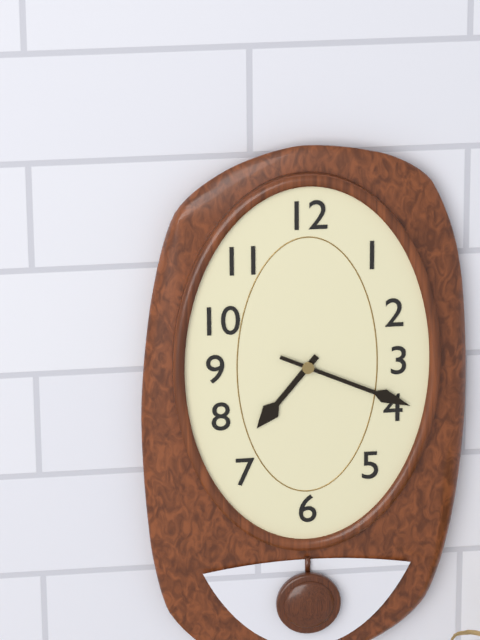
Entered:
7h19
